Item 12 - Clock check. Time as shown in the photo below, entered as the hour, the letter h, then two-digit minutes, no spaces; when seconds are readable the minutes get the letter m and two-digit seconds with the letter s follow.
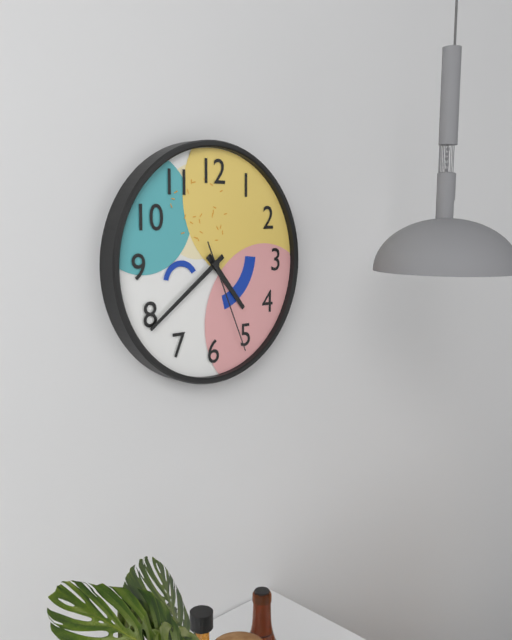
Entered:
4h39m26s
